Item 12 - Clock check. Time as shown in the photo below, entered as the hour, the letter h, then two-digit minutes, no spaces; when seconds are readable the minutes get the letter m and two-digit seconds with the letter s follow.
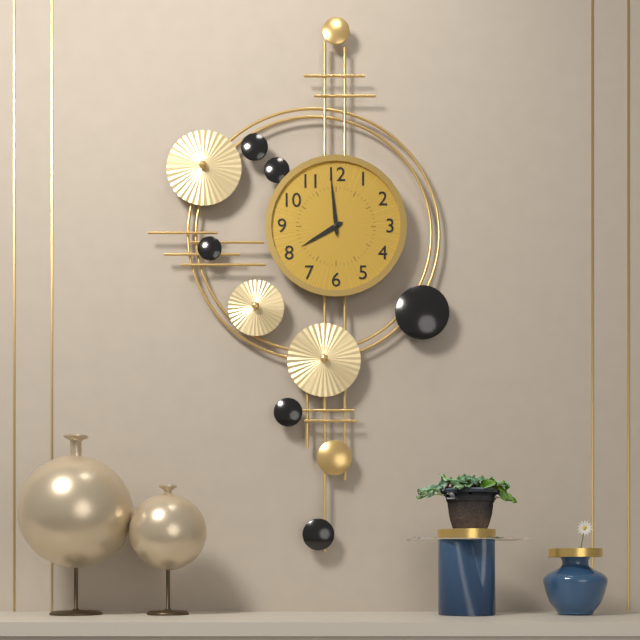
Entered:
7h59
